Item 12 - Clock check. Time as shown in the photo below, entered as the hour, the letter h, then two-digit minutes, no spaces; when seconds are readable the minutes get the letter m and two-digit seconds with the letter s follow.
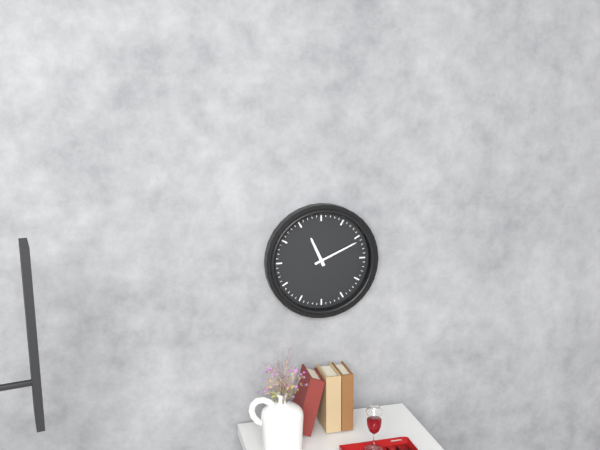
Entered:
11h11
